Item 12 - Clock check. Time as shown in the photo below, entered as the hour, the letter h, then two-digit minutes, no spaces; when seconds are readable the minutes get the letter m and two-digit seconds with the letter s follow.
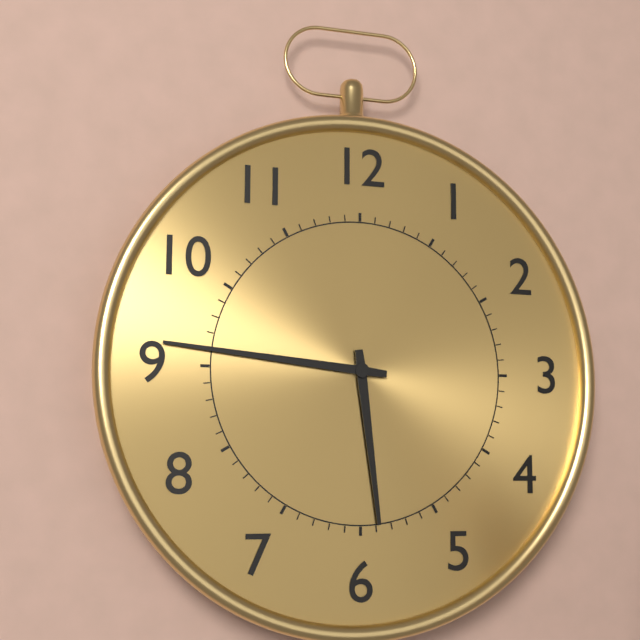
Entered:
5h46
